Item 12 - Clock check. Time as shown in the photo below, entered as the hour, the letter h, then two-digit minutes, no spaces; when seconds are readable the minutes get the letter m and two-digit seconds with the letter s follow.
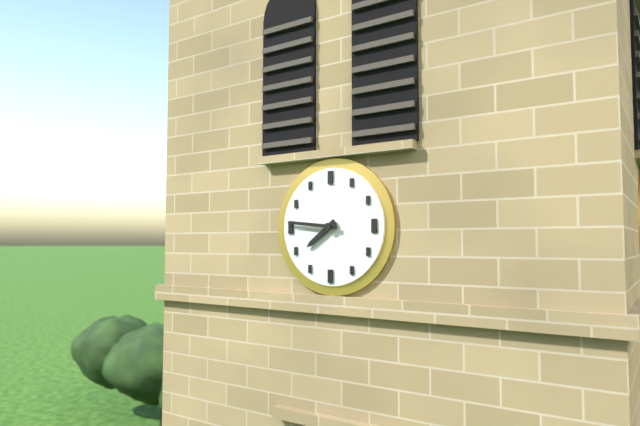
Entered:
7h46
